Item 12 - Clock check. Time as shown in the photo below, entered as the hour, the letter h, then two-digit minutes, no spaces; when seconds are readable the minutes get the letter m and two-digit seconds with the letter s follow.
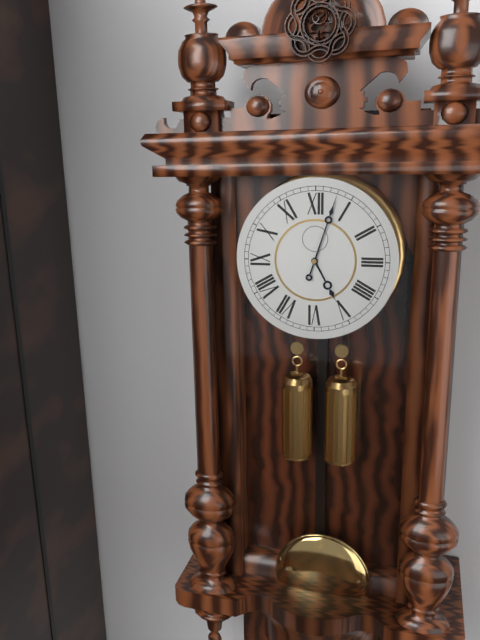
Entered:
5h03
